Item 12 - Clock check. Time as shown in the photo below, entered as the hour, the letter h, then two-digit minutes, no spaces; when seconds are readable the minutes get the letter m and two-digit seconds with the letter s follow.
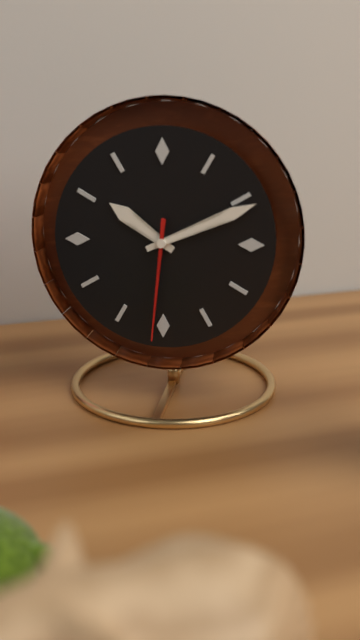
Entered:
10h11m31s
